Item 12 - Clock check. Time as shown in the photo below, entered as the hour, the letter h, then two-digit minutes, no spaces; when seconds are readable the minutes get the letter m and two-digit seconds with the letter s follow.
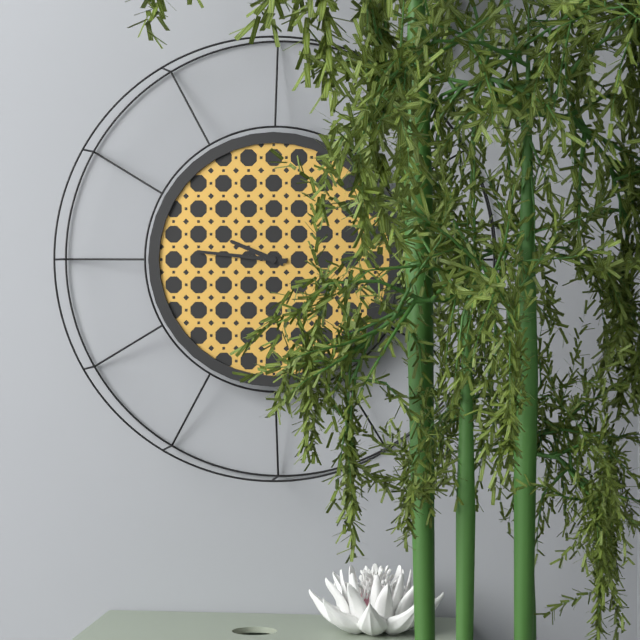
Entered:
9h46
